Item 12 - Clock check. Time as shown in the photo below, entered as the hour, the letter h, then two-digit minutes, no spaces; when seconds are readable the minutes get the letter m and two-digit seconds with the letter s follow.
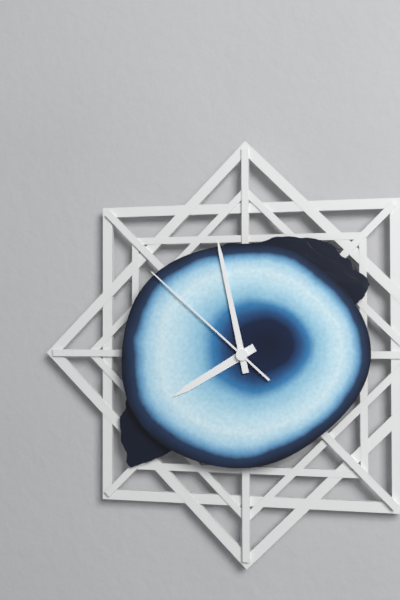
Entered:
7h58m52s
